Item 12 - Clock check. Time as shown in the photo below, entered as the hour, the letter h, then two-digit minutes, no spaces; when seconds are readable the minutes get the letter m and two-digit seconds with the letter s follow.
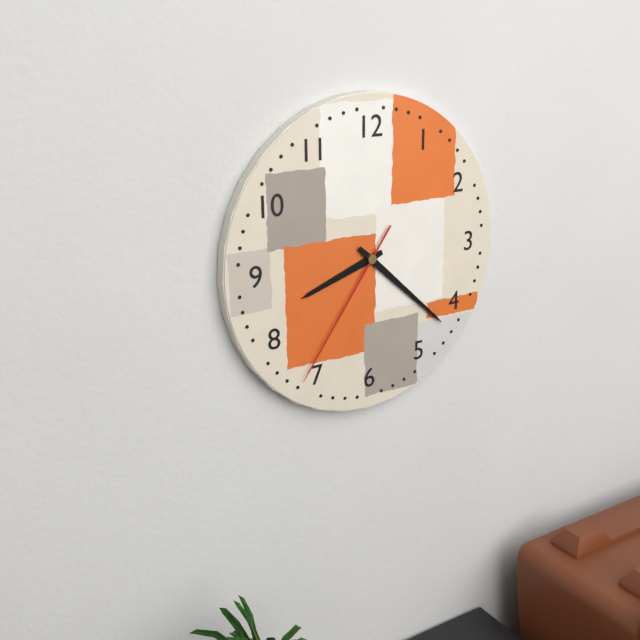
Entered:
8h22m36s
